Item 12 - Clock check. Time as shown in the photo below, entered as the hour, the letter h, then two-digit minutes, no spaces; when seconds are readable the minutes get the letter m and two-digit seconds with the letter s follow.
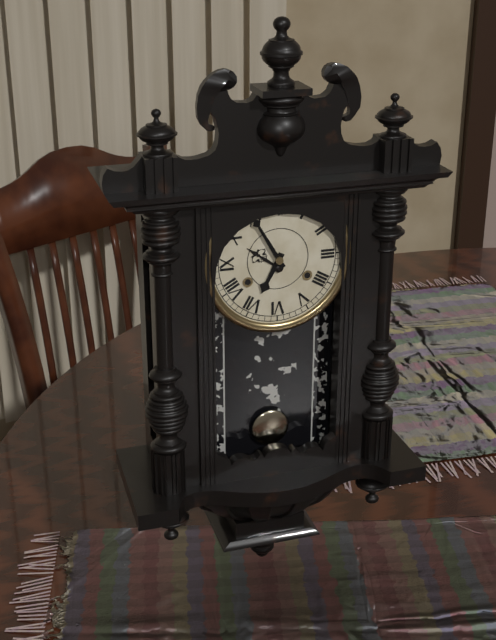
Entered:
6h55
